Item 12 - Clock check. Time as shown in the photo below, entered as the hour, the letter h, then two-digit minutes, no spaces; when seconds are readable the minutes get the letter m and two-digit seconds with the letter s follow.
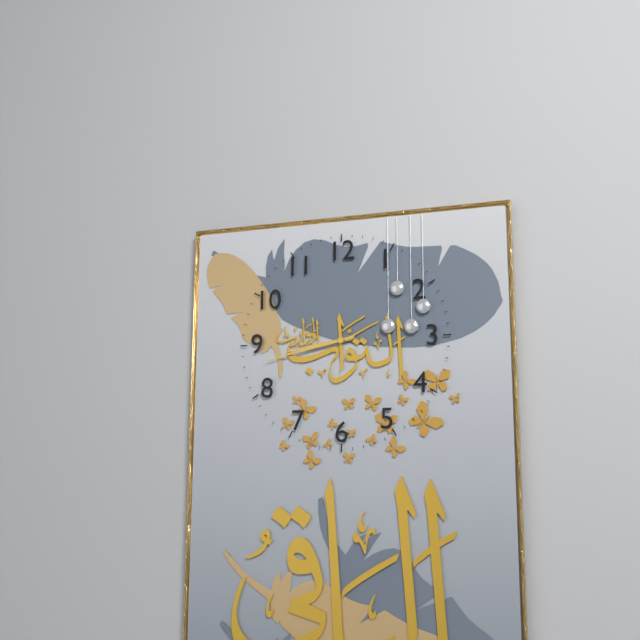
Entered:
8h43
